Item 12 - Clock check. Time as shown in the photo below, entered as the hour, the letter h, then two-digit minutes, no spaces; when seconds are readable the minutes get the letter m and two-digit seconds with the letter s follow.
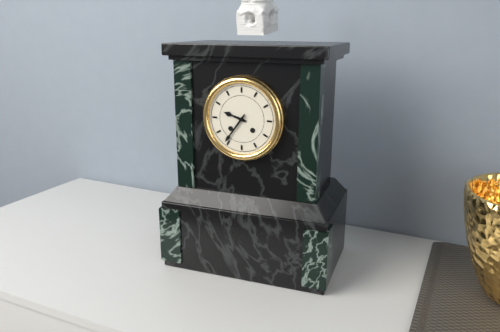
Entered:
9h36
